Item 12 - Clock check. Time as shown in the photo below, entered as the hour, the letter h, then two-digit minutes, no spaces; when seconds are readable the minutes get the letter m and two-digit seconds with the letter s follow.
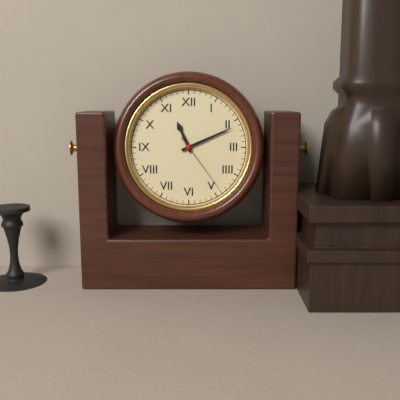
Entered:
11h11m24s
